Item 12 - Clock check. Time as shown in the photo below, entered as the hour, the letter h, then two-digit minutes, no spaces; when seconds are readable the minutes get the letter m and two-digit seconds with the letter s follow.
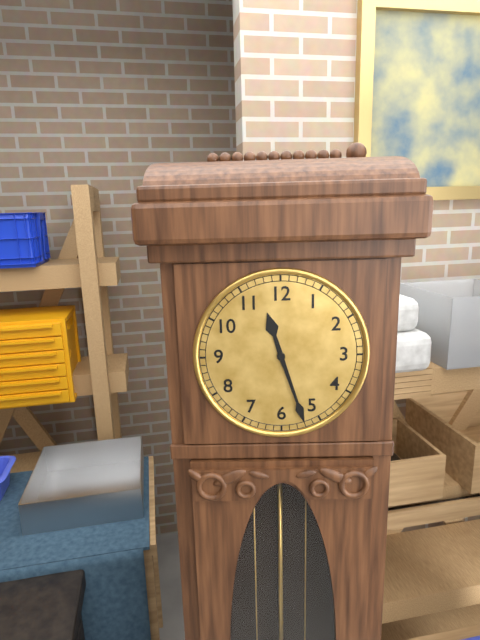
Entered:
11h27
